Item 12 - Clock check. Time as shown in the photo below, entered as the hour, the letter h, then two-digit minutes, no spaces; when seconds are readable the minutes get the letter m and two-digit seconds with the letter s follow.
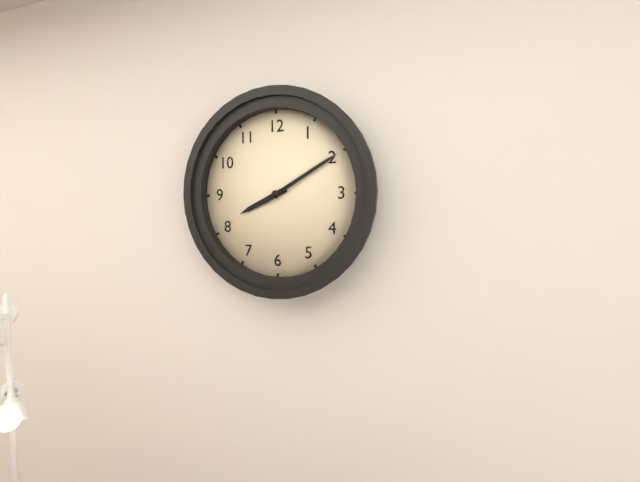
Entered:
8h10
